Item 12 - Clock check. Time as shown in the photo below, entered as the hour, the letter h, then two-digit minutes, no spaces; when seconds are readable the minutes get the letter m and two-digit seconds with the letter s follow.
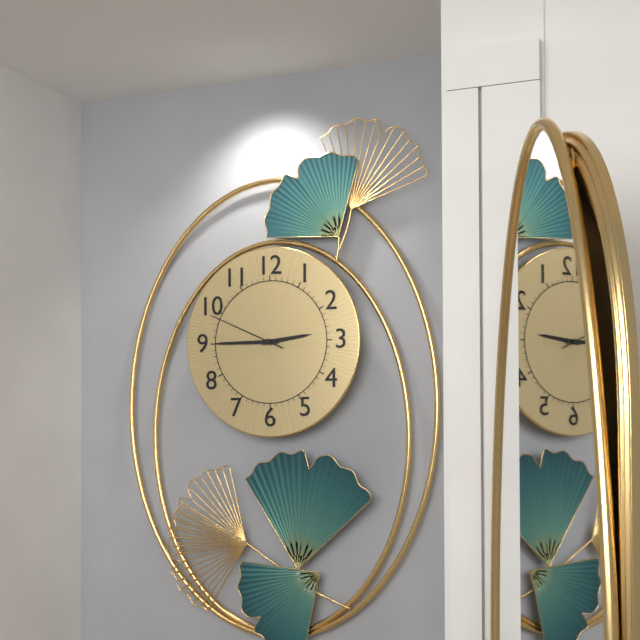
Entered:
2h45m49s
